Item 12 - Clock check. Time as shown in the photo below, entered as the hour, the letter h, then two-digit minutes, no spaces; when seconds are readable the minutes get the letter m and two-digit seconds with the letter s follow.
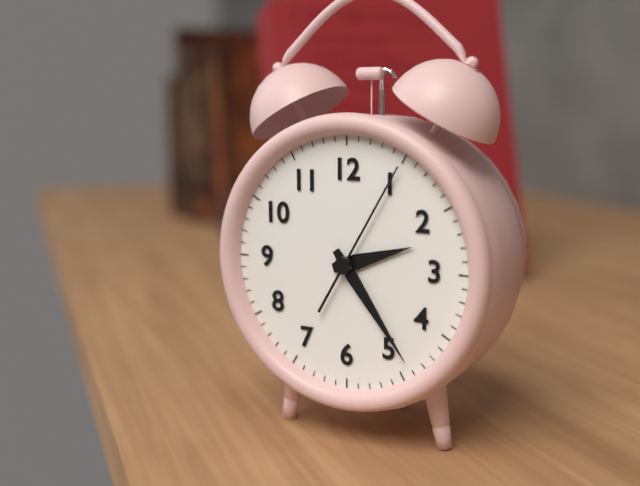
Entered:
2h24m05s
